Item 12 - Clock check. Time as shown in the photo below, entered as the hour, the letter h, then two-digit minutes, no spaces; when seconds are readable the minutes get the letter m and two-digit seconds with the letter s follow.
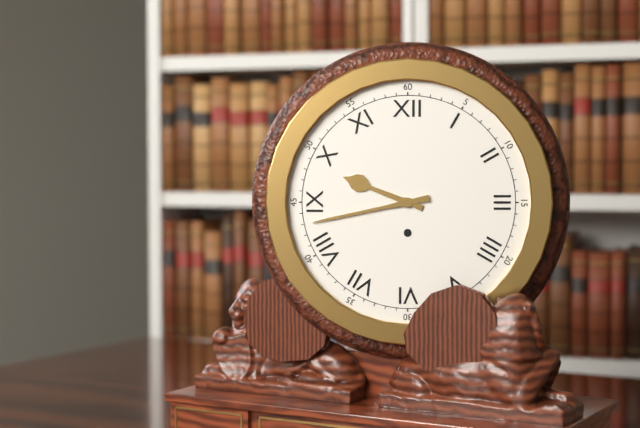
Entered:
9h43
